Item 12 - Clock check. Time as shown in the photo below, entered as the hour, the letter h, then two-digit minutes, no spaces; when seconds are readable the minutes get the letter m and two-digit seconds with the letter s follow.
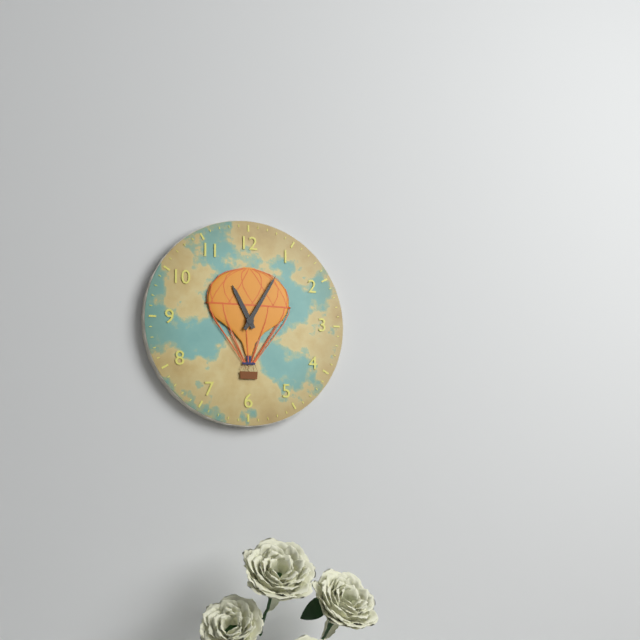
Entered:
11h05
